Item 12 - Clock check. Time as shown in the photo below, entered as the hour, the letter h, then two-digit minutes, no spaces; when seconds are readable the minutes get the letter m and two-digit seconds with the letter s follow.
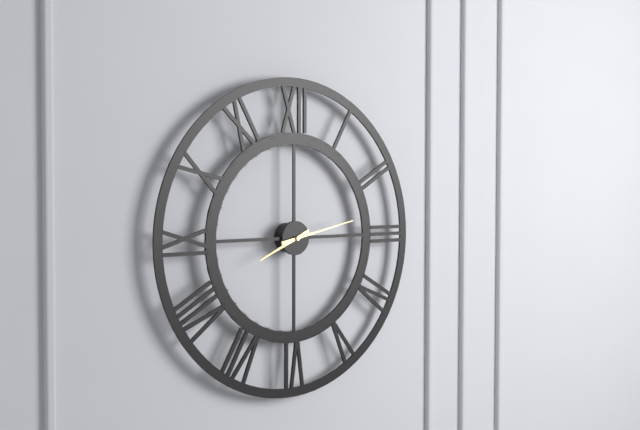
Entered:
8h13
